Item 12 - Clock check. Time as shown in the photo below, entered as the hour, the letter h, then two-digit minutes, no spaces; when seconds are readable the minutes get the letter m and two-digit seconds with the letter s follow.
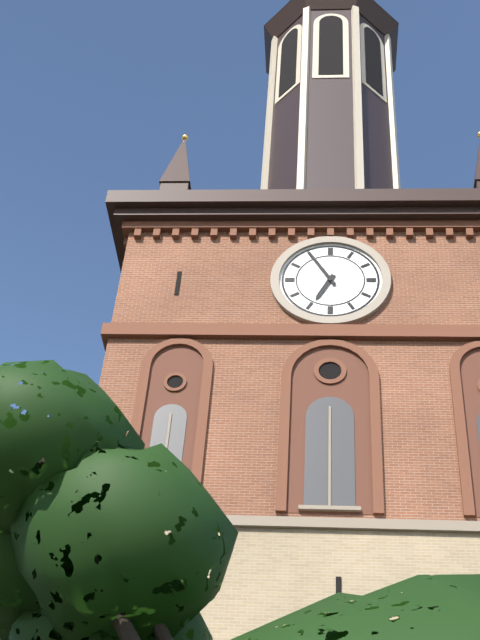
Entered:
6h55
